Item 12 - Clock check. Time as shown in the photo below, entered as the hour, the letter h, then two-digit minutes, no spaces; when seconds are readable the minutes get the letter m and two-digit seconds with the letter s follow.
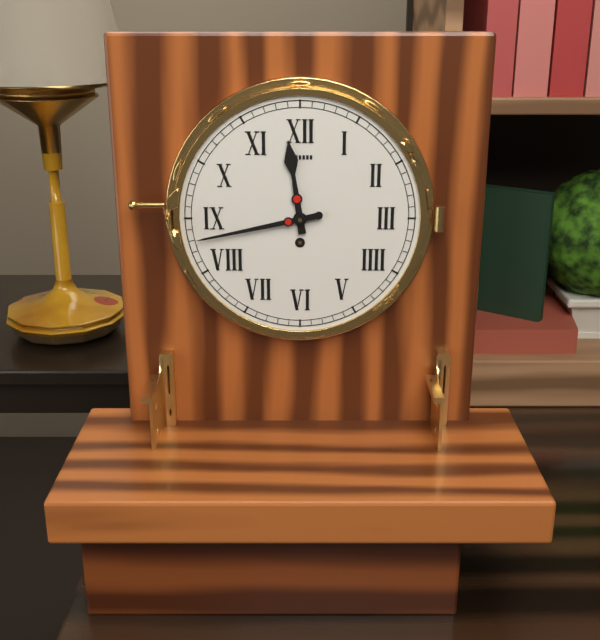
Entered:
11h43
